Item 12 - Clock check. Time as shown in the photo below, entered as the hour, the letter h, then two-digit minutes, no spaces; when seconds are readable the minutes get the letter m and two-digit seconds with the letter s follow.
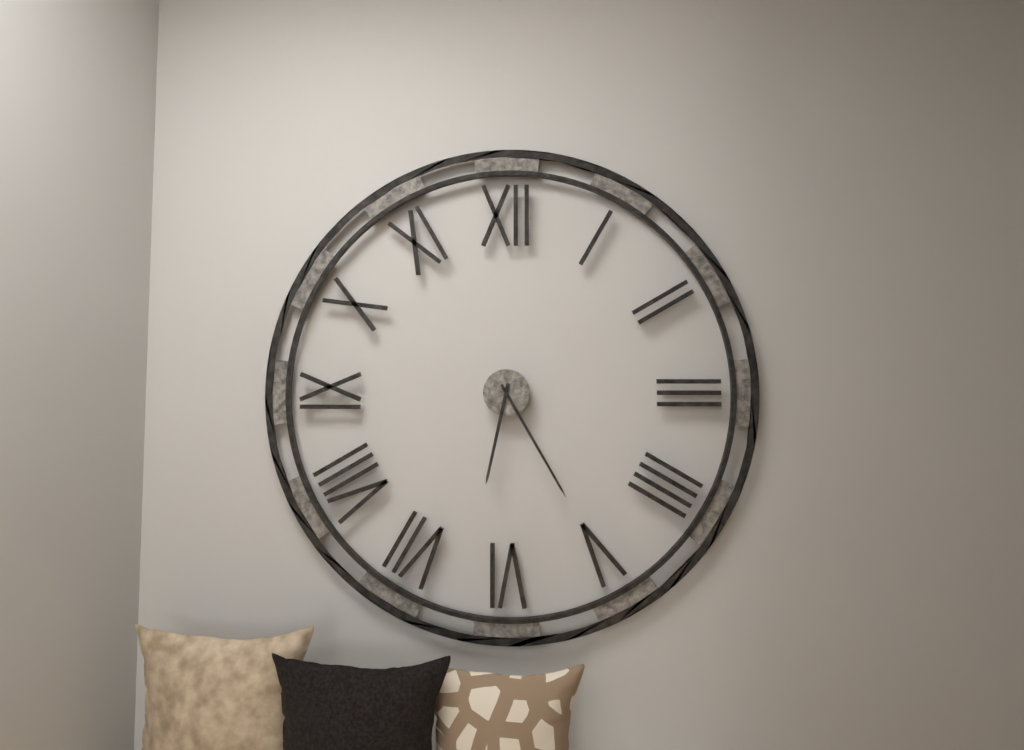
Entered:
6h25
